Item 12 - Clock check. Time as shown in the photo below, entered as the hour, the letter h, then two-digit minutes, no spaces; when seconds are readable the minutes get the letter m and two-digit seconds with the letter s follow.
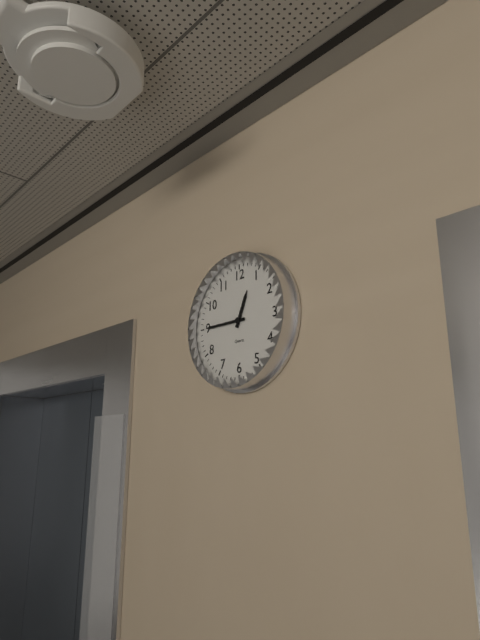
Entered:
12h45
